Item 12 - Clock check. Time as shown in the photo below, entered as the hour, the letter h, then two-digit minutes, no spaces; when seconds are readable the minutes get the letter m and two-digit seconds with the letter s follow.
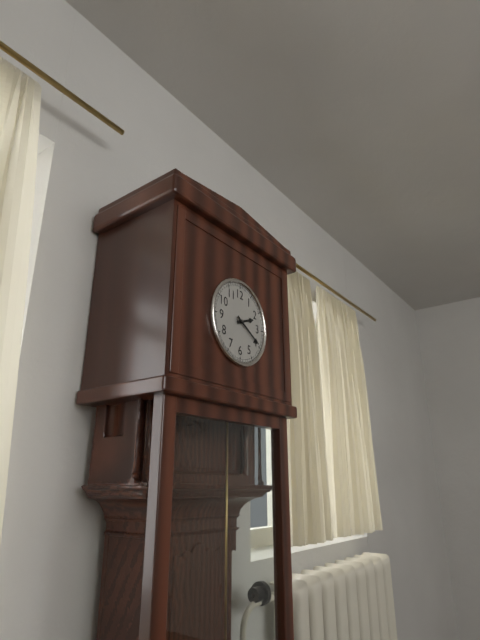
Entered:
2h20
